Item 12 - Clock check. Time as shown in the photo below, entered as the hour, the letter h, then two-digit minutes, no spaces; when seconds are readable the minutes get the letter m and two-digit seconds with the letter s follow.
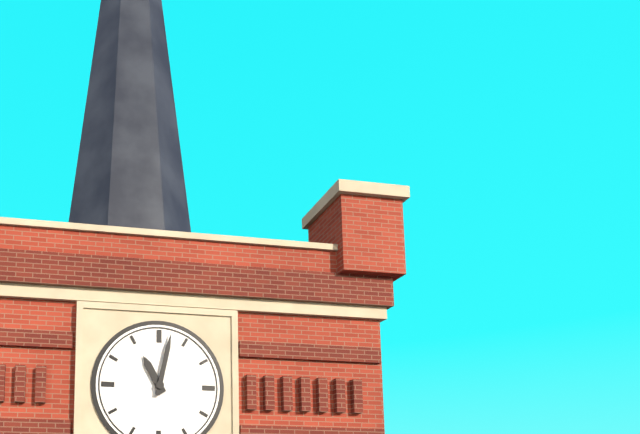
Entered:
11h02
